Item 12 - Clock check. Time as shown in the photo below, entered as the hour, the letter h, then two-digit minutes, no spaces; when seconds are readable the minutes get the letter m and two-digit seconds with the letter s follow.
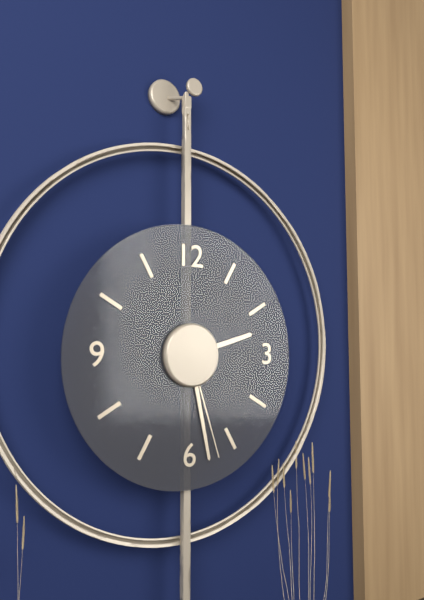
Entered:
2h28m27s
